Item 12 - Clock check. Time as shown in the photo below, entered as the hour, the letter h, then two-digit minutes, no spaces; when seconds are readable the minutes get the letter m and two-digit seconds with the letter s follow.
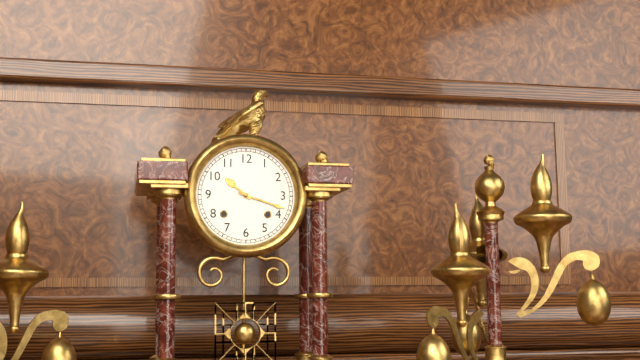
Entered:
10h18
